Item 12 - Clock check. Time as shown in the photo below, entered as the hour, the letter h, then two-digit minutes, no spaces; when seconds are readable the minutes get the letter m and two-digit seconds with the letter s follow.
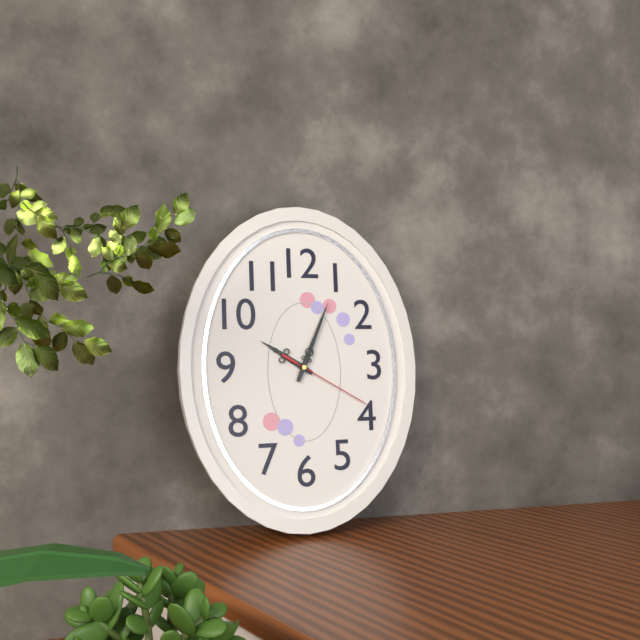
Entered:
10h04m20s
